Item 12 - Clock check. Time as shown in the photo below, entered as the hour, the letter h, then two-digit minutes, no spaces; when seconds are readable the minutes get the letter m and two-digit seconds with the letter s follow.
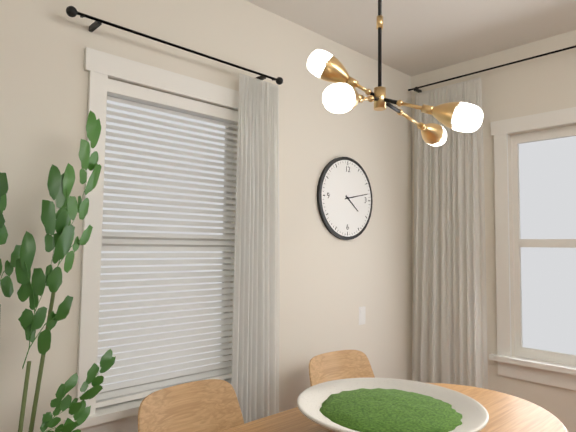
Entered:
4h13
